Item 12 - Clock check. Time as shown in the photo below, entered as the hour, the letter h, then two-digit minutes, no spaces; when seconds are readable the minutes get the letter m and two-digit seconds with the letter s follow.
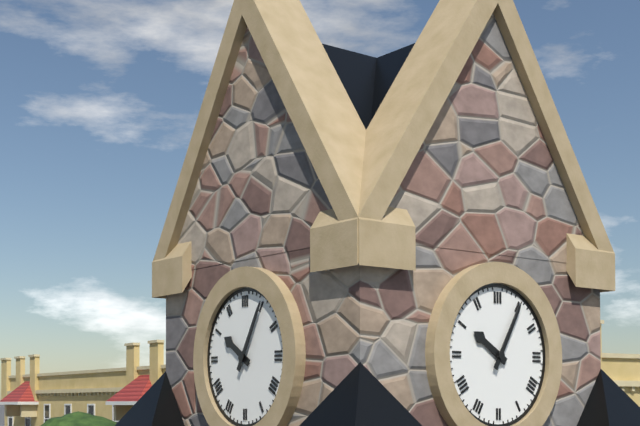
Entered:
10h05
